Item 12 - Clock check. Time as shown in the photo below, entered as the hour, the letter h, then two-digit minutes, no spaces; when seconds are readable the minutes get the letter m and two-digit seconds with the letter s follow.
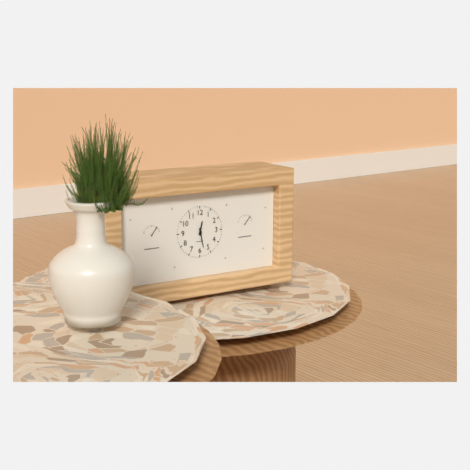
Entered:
12h28
